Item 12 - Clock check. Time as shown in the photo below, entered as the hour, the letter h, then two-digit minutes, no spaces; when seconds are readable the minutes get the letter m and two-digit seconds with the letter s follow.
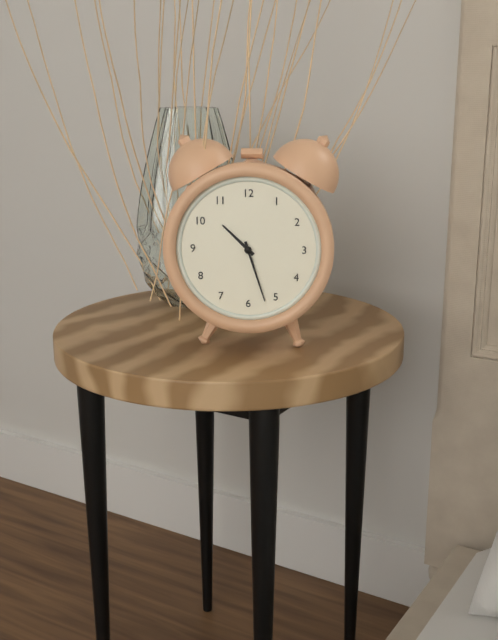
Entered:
10h27
